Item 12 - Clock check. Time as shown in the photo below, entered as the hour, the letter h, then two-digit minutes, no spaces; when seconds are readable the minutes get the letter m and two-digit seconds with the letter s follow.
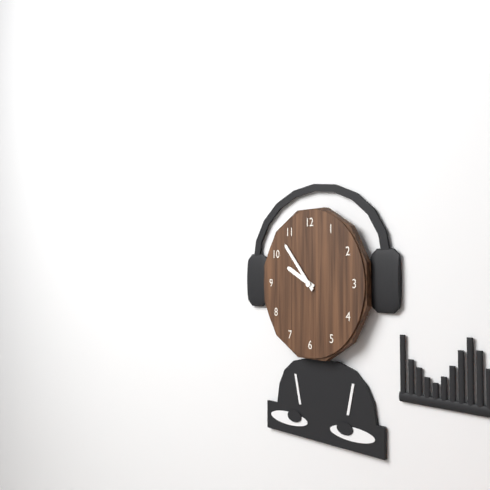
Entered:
9h53
